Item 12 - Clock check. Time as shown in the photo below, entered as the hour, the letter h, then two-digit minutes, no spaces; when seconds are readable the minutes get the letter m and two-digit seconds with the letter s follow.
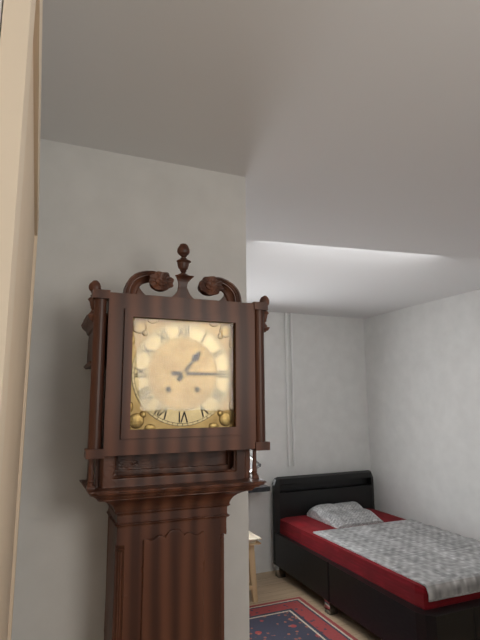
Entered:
1h15
